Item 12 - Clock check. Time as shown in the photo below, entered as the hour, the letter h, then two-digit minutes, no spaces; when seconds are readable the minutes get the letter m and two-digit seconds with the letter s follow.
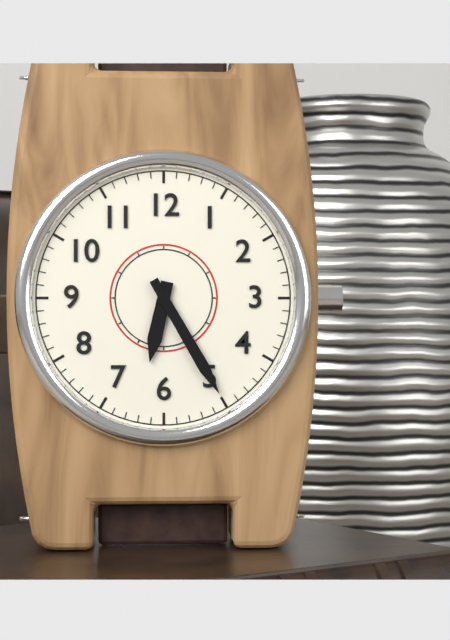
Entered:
6h25
